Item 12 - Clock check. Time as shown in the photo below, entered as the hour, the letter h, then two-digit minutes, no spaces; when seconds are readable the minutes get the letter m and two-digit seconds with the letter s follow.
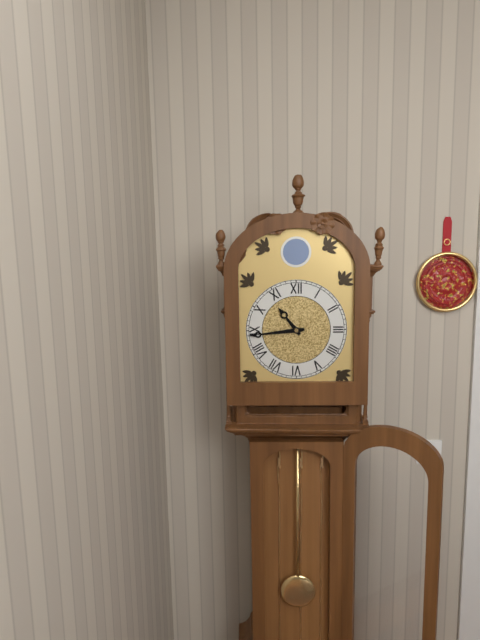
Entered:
10h44
